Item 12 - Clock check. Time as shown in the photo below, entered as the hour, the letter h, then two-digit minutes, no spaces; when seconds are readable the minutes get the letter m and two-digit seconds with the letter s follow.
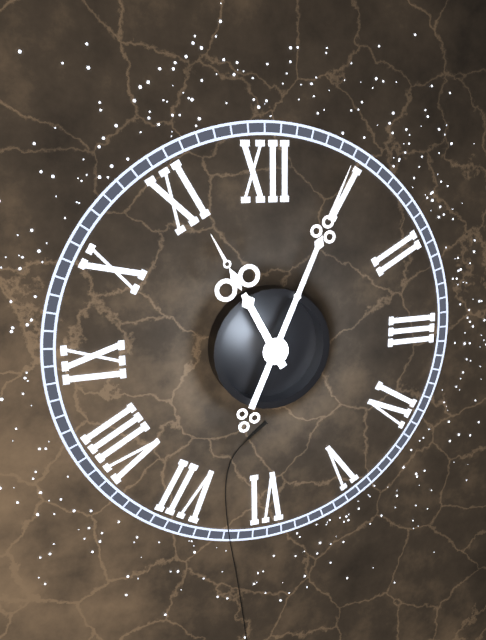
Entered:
11h04
